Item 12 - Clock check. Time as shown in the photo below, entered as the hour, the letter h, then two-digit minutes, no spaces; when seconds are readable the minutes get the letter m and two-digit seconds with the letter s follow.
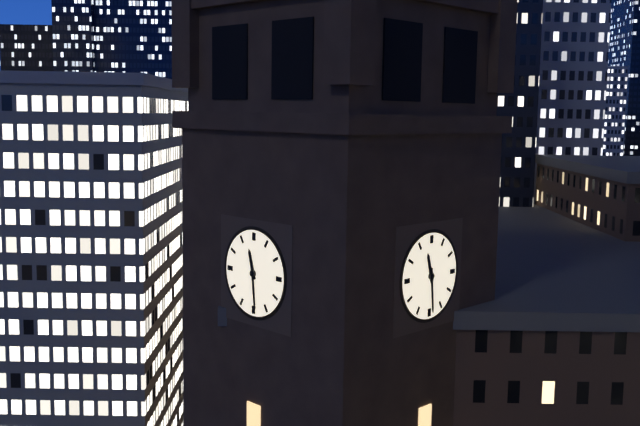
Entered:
11h29
